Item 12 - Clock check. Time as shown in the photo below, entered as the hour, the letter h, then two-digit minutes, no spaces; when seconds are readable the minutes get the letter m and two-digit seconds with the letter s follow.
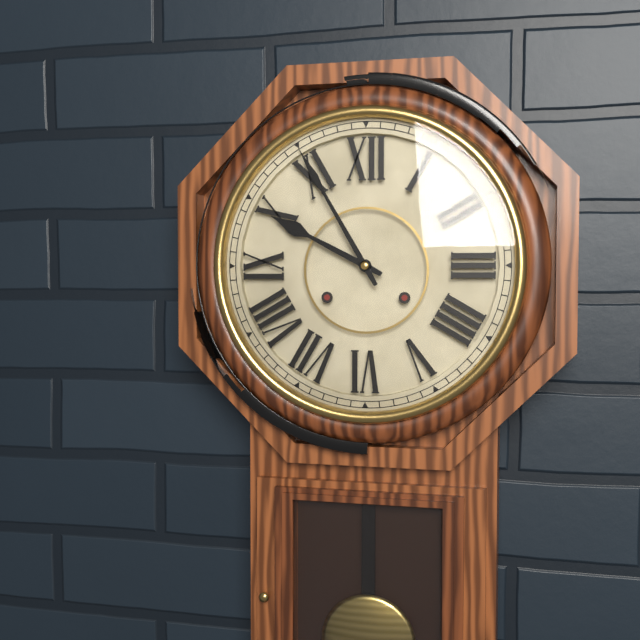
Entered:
9h55
